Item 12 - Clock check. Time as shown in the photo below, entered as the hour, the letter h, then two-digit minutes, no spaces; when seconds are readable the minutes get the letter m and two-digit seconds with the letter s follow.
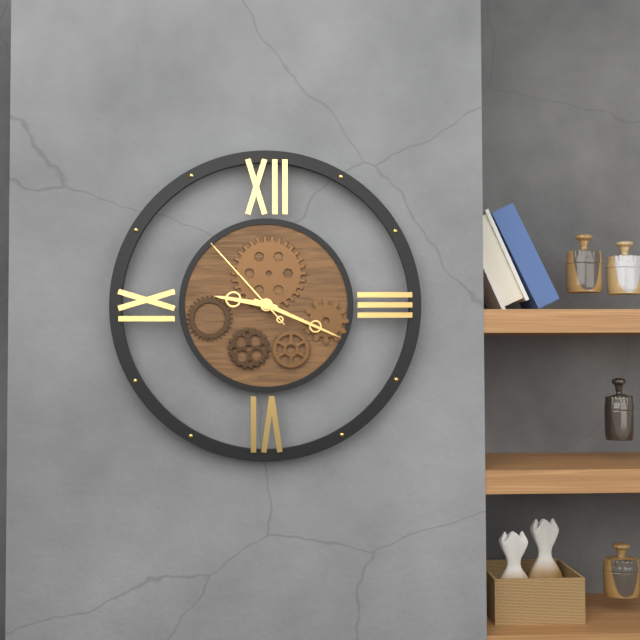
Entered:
9h19m53s
